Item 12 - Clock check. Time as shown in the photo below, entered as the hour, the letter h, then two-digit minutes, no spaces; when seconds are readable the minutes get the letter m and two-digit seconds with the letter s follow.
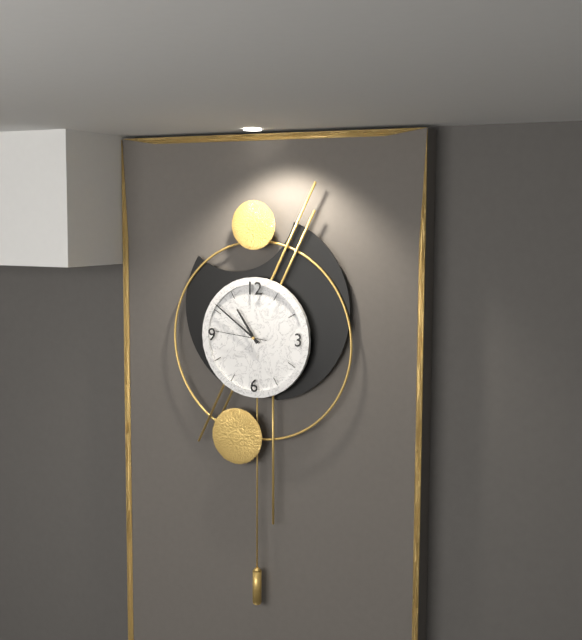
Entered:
10h51m46s
